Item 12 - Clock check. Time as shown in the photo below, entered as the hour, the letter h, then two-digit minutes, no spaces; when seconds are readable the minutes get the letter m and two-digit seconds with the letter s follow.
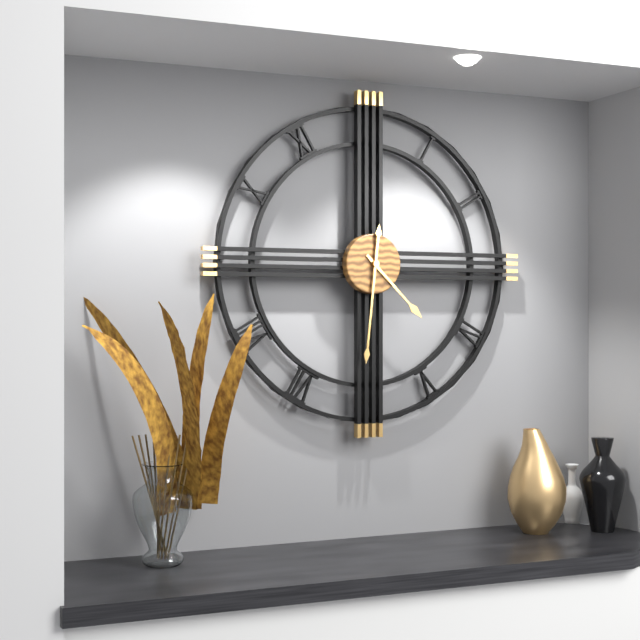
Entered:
4h31
